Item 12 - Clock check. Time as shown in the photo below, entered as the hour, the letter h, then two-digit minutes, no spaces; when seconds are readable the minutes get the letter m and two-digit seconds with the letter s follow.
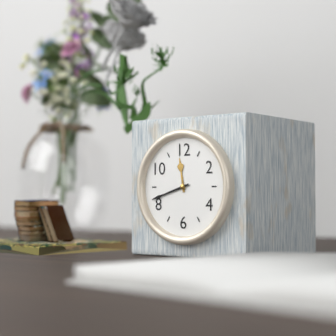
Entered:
11h42
